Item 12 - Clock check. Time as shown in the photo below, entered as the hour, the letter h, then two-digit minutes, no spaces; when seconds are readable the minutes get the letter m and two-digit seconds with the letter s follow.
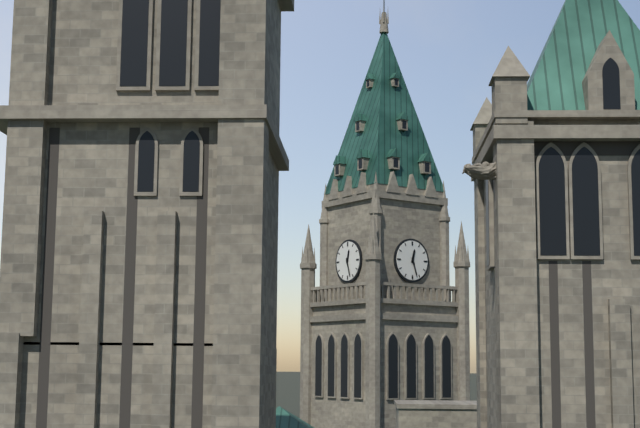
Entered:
12h27
